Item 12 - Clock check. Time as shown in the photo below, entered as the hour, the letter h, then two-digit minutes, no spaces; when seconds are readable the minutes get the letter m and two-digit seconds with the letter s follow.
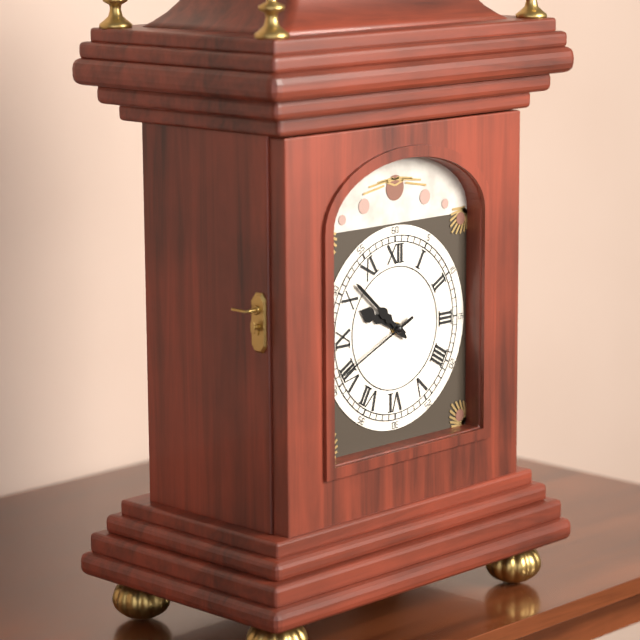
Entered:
9h52m41s
